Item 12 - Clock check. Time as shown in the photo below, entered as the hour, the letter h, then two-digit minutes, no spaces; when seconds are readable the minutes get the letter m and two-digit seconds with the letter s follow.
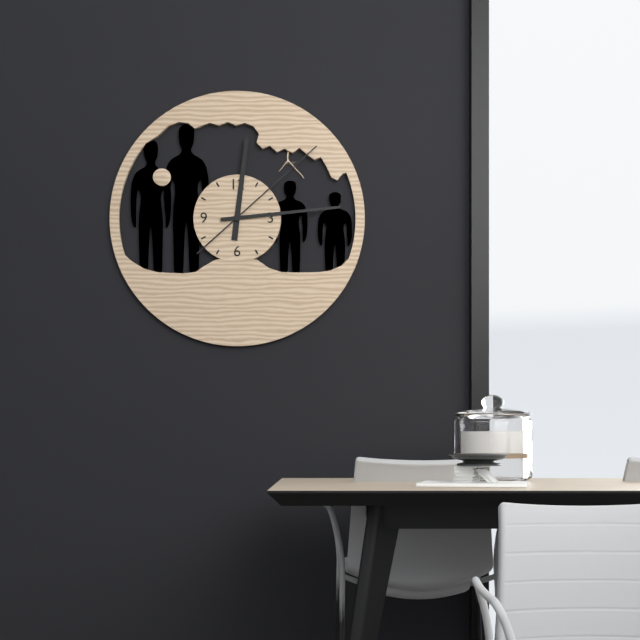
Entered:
12h14m08s
